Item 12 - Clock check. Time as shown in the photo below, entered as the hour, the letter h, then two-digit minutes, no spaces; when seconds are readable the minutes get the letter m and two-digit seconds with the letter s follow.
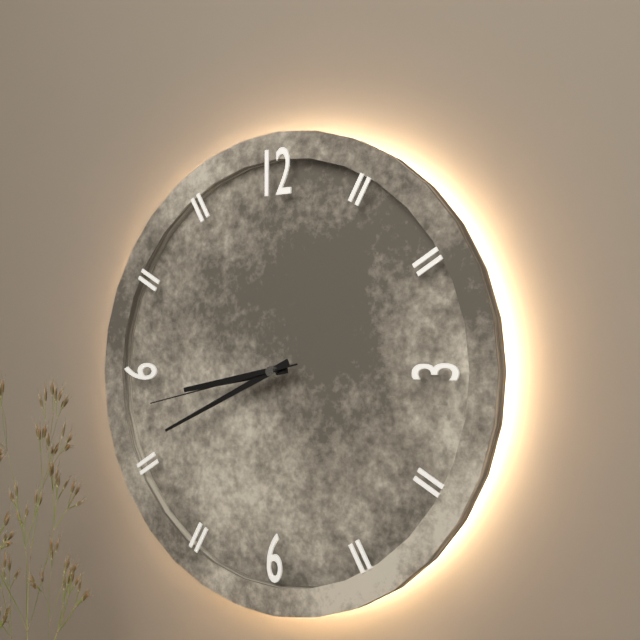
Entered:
8h41m43s
